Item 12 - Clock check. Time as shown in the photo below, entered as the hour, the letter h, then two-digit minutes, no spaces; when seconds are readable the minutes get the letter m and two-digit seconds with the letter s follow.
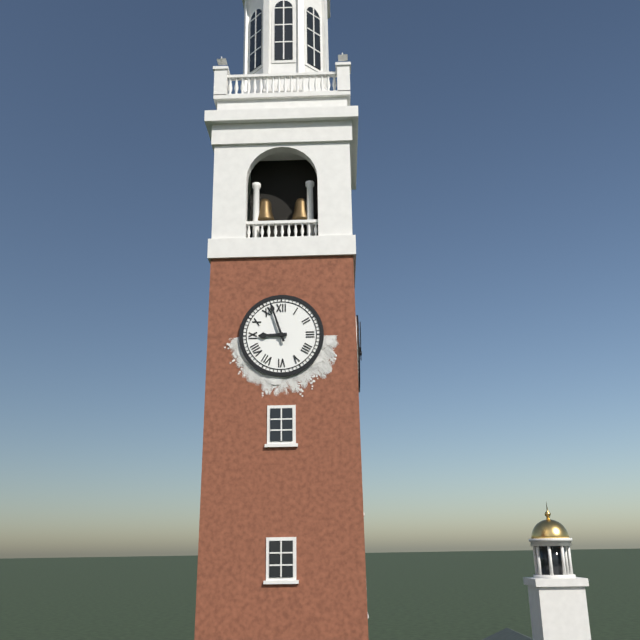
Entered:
8h57
